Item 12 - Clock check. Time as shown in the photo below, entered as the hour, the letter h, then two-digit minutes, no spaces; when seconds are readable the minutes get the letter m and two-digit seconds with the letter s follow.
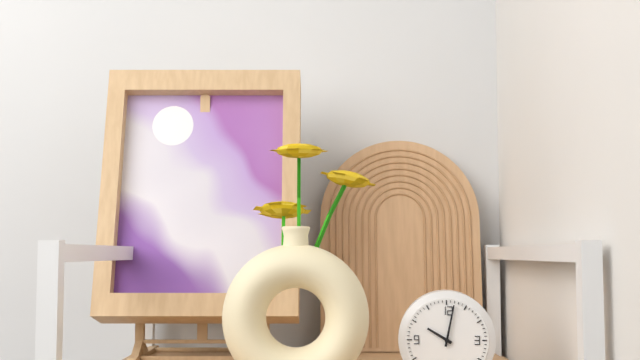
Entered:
10h02
